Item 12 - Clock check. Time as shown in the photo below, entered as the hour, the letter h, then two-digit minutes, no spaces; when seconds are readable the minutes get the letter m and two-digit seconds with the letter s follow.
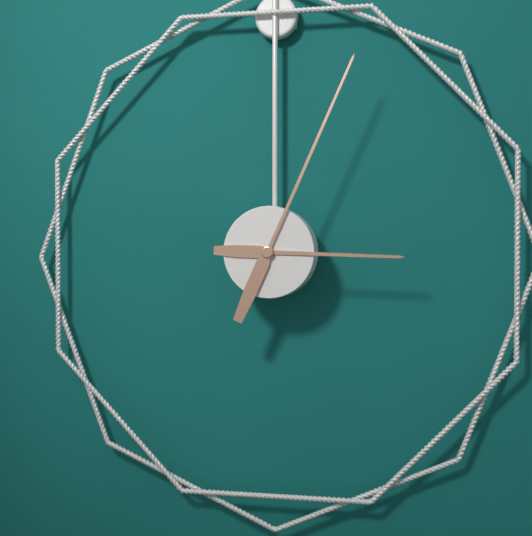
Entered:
3h04
